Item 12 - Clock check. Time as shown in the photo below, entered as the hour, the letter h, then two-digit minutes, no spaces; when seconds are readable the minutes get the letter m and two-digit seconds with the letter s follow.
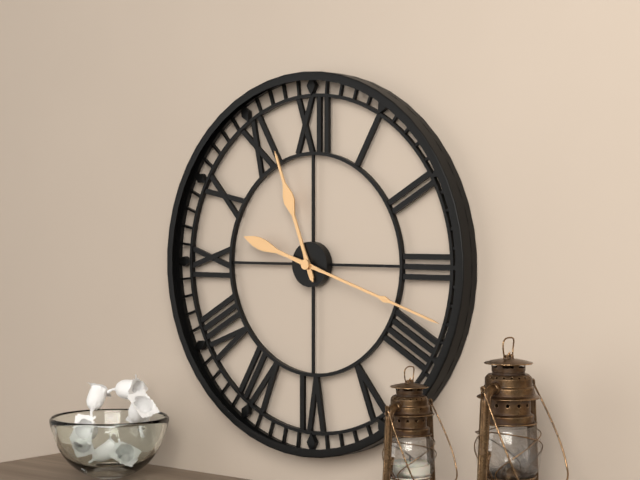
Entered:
11h18
